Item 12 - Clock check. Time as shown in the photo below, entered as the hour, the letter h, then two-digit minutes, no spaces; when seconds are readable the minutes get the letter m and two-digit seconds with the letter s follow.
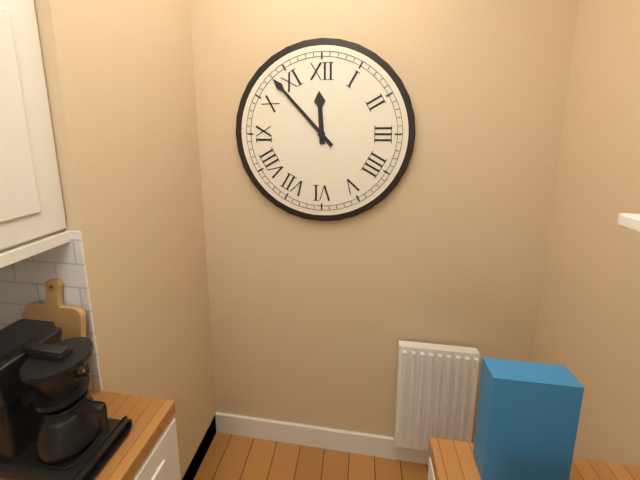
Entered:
11h53
